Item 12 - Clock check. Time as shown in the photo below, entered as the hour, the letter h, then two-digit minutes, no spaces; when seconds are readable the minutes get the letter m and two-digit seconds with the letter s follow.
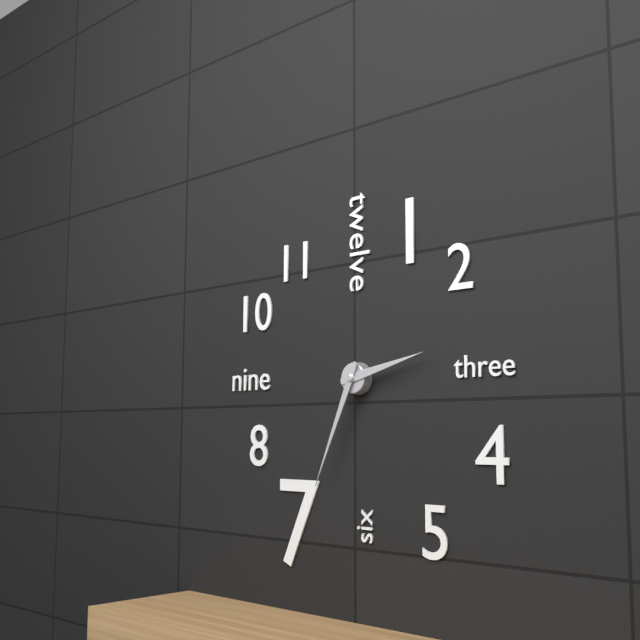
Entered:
2h34
